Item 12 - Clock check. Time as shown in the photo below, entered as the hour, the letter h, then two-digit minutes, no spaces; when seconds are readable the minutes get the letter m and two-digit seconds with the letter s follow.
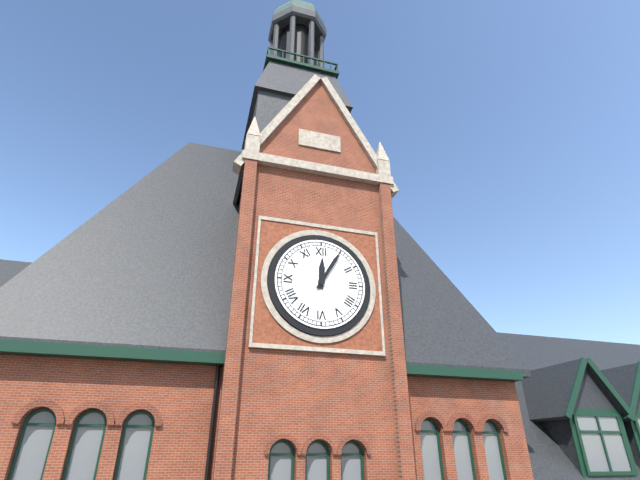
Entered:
12h05
